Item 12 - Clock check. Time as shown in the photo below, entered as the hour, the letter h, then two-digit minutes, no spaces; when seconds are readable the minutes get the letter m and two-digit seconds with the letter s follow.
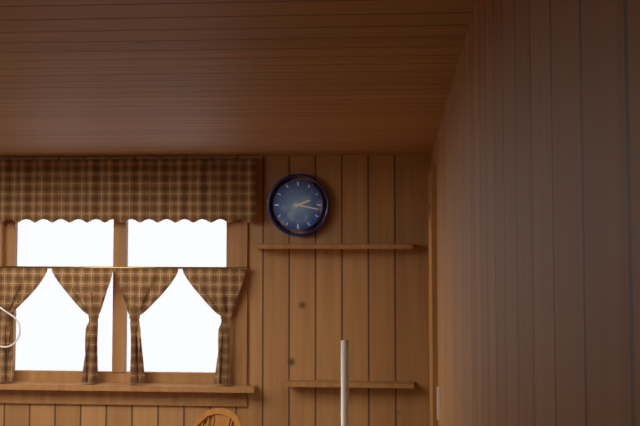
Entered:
2h17
